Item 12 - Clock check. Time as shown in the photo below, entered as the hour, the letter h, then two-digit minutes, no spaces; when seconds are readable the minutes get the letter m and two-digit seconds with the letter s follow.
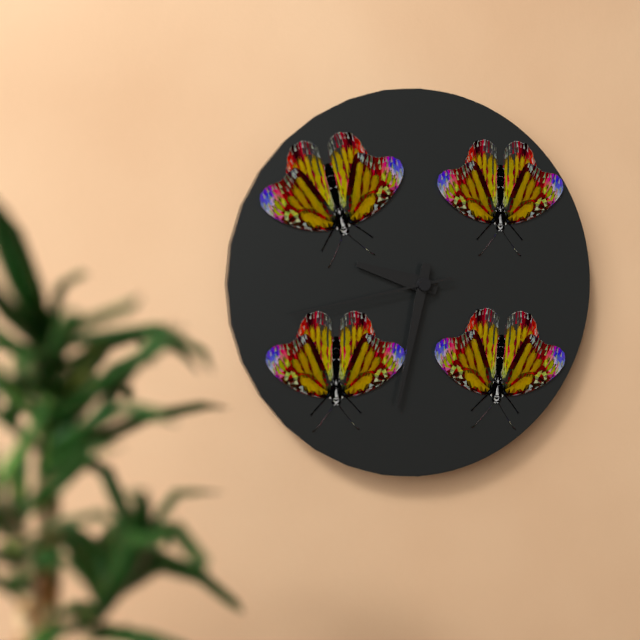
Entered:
9h32m43s
